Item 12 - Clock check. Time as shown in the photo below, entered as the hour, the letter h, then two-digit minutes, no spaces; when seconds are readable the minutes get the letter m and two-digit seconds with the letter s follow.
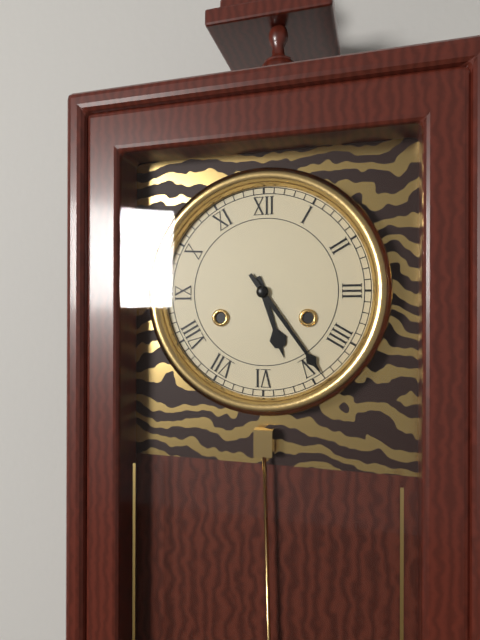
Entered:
5h24
